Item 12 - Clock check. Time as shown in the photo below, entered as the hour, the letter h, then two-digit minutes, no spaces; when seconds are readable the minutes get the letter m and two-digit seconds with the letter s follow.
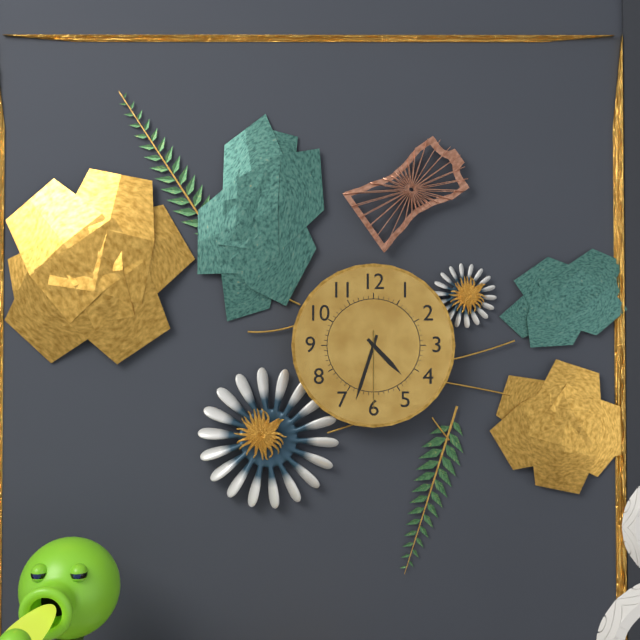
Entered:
4h33m30s
